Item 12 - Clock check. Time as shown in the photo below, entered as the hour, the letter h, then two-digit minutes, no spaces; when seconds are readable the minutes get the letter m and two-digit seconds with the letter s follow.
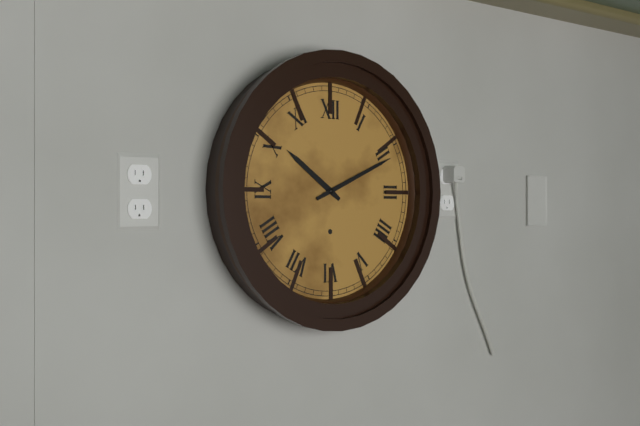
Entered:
10h11
